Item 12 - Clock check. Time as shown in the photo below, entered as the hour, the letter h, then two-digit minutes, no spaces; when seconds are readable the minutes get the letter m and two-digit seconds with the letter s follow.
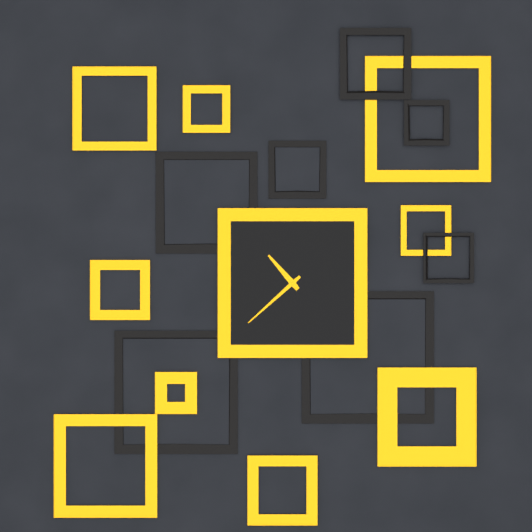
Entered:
10h38
